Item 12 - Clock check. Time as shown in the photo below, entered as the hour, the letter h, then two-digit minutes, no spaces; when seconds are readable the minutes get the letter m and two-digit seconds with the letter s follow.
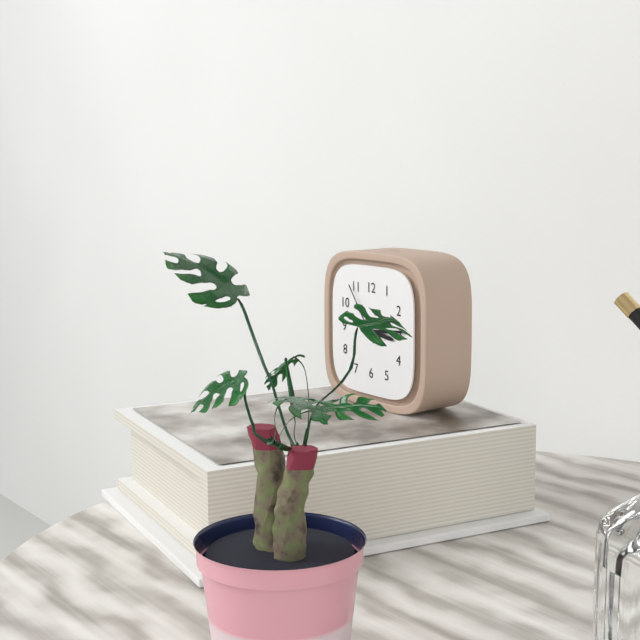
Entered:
3h14m54s
